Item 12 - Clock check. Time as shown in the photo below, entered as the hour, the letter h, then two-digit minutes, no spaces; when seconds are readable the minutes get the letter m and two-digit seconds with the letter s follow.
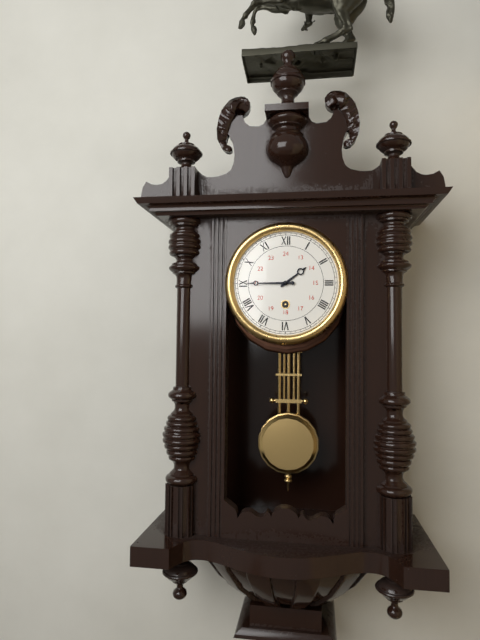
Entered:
1h45
